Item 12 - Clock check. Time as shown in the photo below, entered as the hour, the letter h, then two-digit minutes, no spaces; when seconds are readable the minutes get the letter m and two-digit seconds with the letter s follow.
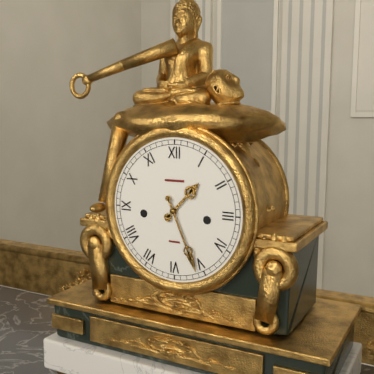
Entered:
1h26
